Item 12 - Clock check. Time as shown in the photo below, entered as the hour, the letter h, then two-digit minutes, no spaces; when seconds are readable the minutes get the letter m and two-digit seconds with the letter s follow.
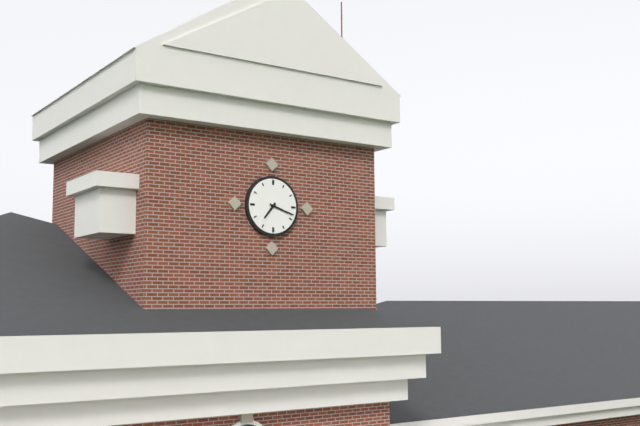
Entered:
7h18
